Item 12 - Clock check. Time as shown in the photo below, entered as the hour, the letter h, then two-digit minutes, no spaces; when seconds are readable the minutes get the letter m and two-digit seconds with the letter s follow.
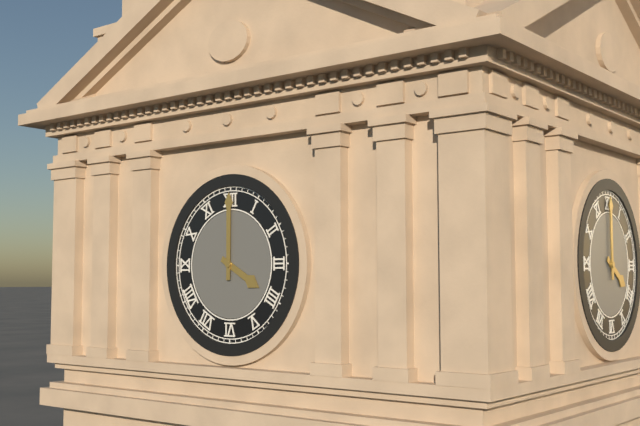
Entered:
4h00
